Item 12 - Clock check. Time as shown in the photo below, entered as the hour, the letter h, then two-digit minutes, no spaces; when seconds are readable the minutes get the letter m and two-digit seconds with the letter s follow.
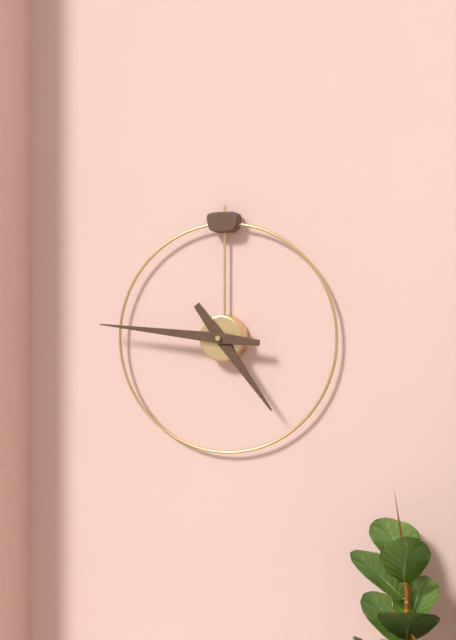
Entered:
4h46
